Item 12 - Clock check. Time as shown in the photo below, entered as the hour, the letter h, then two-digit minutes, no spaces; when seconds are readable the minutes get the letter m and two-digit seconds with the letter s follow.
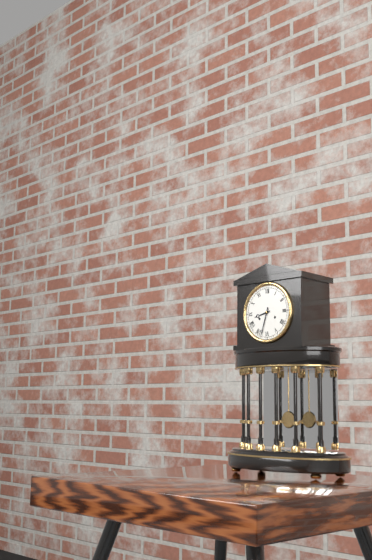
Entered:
8h33
